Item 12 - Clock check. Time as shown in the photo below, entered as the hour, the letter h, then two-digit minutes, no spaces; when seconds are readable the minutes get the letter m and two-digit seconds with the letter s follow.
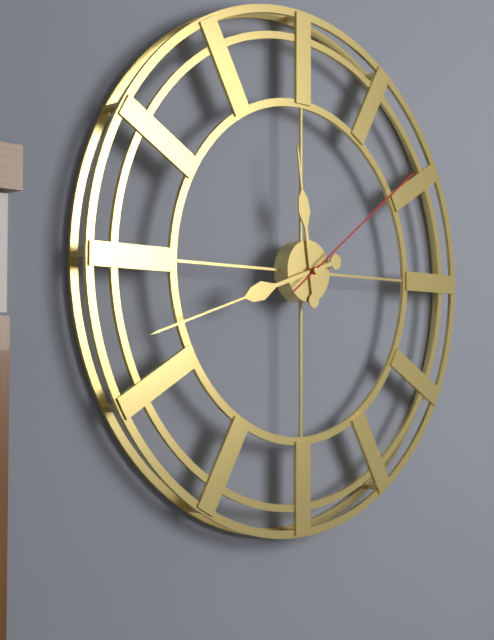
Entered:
11h42m09s
